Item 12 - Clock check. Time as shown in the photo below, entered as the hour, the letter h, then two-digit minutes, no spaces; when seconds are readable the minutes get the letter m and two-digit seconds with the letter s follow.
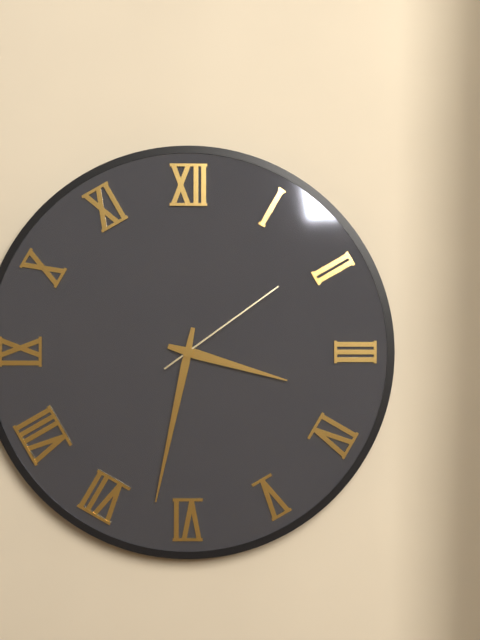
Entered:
3h32m09s
